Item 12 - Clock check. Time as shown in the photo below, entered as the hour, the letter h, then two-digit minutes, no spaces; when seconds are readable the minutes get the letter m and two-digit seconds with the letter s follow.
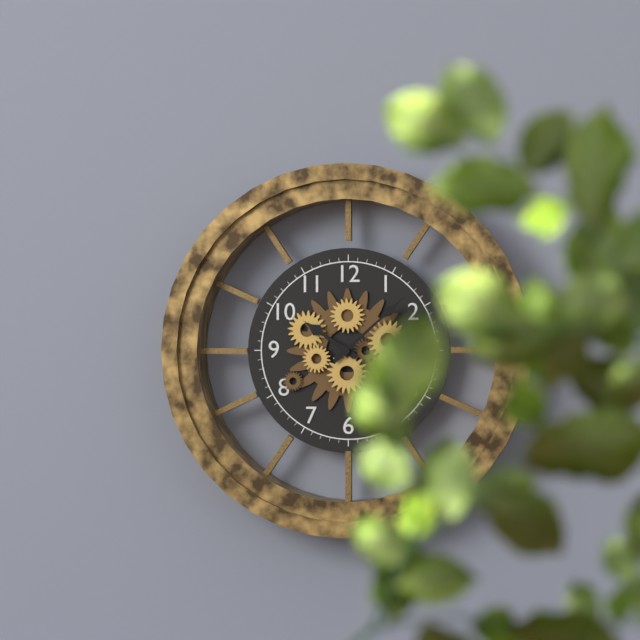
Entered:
10h08
